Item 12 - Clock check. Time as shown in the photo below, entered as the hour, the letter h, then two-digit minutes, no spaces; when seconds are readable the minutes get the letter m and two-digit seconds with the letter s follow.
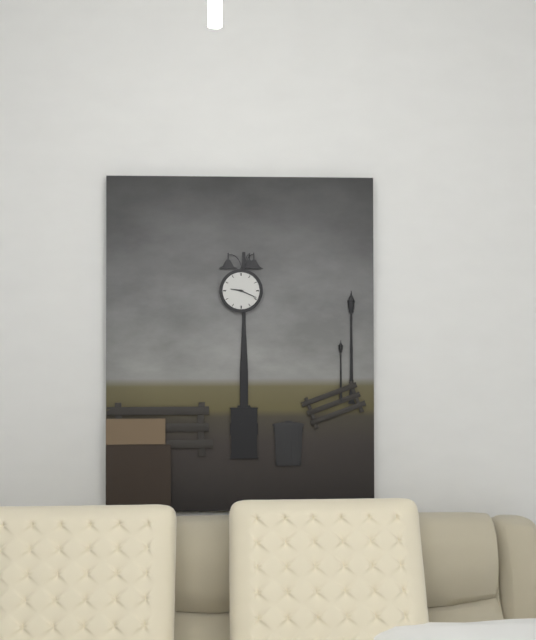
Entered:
9h19
